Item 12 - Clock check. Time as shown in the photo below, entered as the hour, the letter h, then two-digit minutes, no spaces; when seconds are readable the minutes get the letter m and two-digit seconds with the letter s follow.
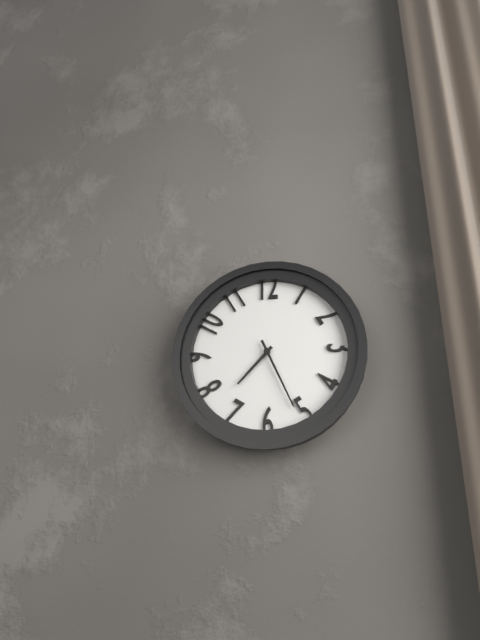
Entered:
7h26
